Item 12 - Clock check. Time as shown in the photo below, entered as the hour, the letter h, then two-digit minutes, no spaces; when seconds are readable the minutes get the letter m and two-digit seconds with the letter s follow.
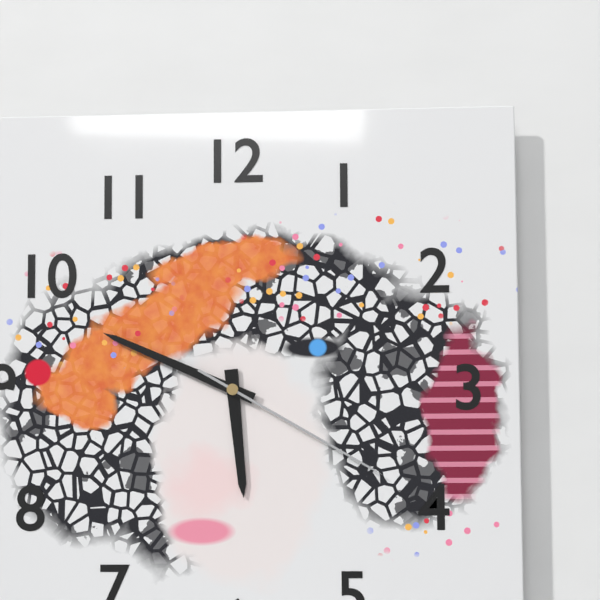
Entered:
5h49m20s
